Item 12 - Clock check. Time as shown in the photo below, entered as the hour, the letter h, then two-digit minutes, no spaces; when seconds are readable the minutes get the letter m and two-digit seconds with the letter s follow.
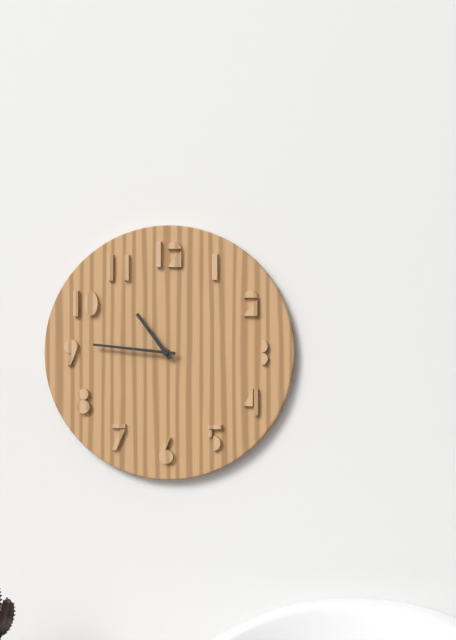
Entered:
10h46
